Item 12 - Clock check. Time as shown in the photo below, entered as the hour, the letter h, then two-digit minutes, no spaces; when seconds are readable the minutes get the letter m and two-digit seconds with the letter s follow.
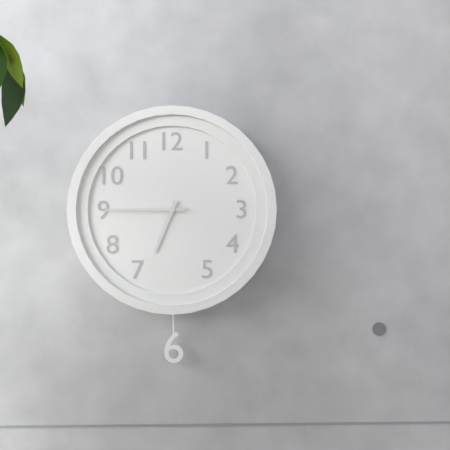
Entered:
6h45
